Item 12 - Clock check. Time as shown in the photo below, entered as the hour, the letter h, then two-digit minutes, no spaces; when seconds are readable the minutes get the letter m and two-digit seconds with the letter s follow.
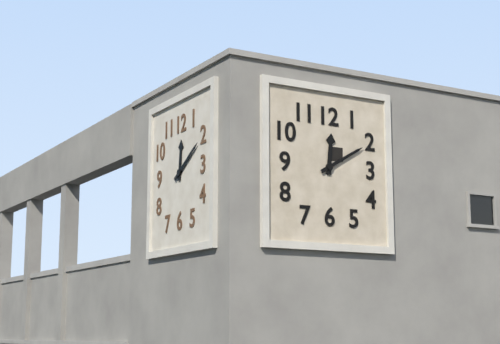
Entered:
12h10
